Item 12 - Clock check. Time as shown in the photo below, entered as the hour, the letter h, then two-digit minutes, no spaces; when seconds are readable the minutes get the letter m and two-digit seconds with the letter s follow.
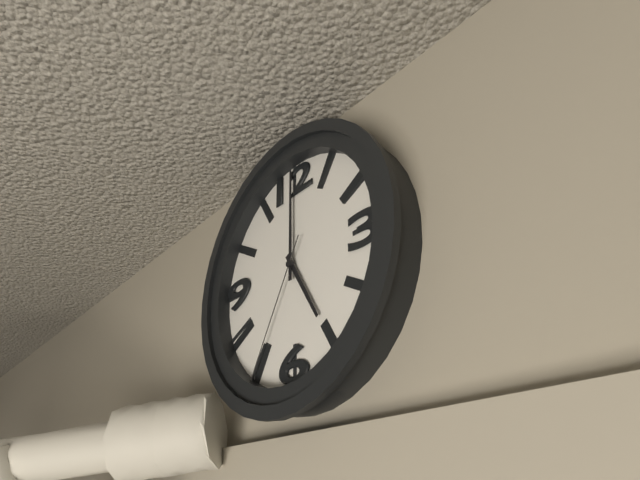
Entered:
5h00m35s
